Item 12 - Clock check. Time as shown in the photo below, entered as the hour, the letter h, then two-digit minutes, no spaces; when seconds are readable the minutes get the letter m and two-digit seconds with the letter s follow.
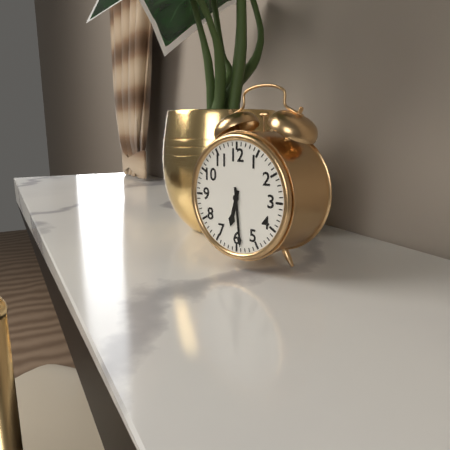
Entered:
6h29
